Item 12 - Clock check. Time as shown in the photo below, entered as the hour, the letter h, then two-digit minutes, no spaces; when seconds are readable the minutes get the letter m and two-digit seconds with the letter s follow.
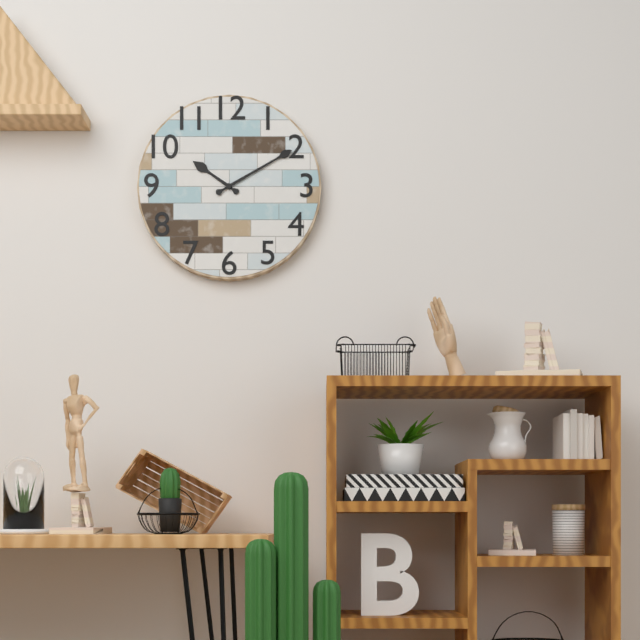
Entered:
10h10
